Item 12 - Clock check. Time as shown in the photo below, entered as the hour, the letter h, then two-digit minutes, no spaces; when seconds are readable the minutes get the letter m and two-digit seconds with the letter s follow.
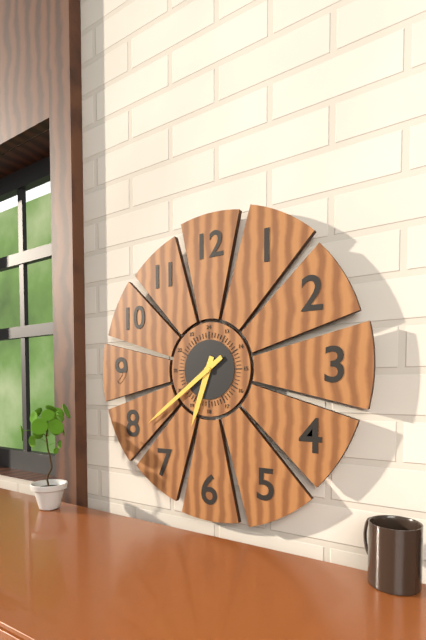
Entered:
6h39
